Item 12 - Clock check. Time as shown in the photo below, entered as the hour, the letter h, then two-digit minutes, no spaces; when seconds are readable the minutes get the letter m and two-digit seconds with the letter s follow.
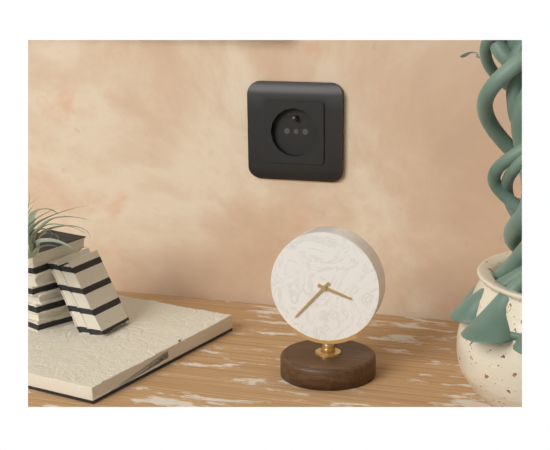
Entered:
3h37
